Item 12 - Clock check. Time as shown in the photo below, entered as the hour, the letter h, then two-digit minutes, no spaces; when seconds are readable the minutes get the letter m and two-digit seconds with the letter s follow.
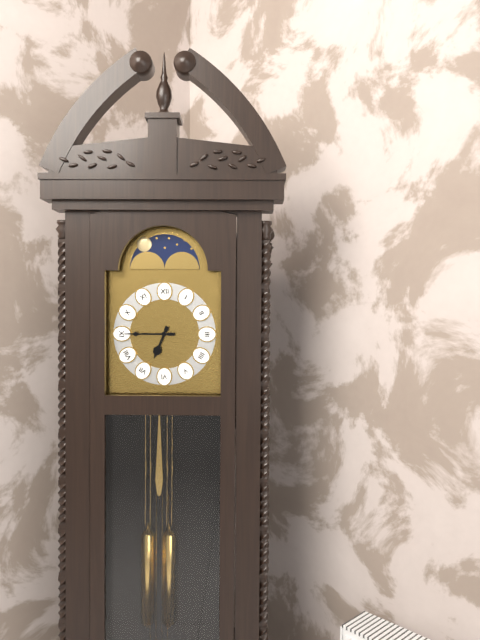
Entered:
6h45
